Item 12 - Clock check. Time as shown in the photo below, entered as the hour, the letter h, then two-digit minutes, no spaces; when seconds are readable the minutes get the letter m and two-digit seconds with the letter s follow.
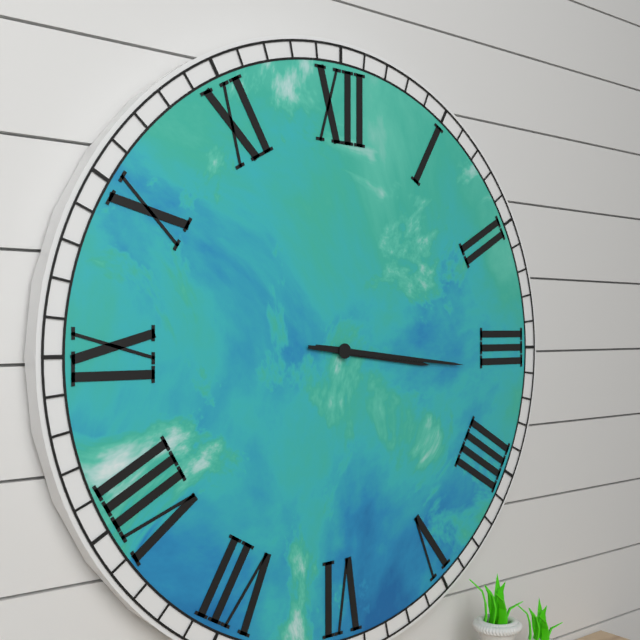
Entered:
3h16
